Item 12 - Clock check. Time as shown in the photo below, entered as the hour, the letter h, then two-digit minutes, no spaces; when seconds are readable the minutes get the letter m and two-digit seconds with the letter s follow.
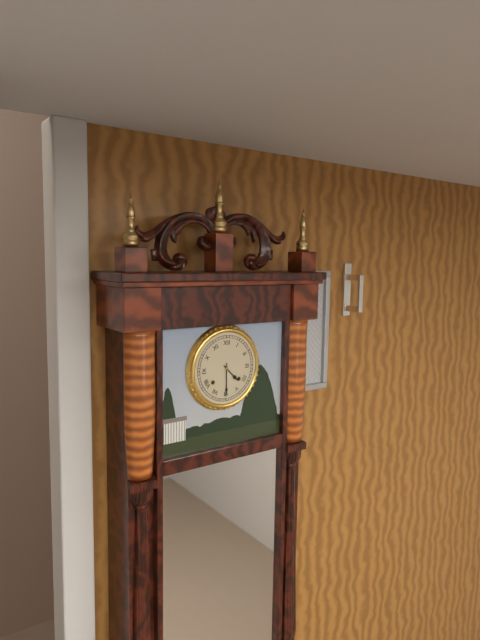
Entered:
4h30
